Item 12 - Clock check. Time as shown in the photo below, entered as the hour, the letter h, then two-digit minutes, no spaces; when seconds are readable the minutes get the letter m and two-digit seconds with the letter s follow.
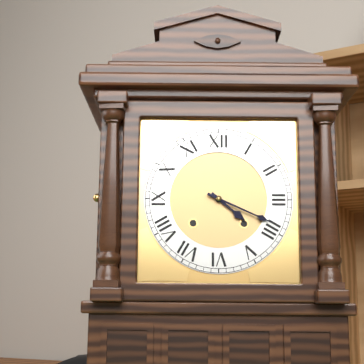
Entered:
4h19
